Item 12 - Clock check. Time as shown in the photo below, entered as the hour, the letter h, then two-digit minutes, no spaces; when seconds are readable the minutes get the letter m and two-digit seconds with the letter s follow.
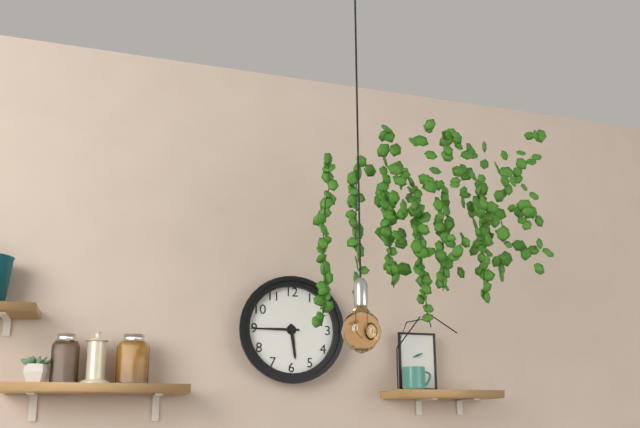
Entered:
5h45
